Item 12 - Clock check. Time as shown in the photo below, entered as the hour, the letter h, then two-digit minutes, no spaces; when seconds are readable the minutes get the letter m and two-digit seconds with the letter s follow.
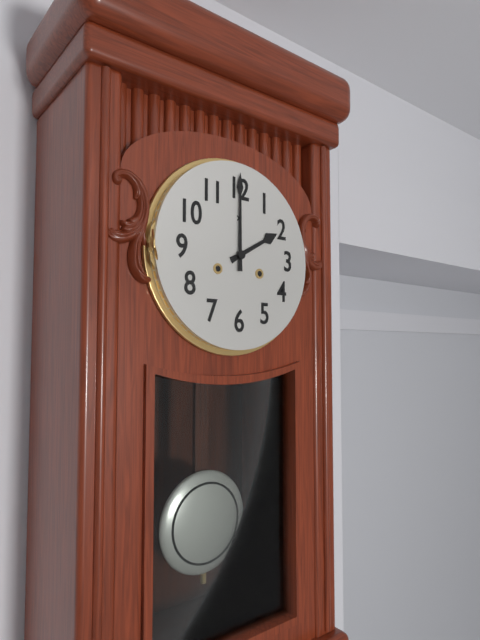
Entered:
2h00
